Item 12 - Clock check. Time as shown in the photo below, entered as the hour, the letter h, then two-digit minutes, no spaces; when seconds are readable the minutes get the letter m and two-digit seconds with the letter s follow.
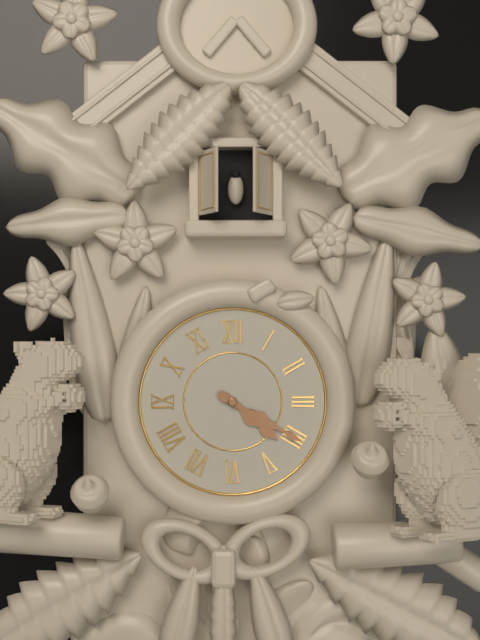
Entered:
4h20
